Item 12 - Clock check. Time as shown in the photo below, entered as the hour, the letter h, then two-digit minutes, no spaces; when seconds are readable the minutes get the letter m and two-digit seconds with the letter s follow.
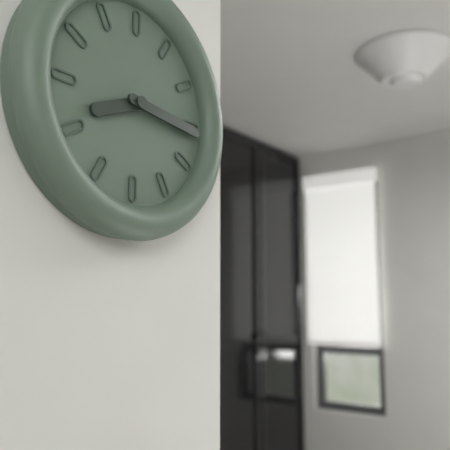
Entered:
8h16
